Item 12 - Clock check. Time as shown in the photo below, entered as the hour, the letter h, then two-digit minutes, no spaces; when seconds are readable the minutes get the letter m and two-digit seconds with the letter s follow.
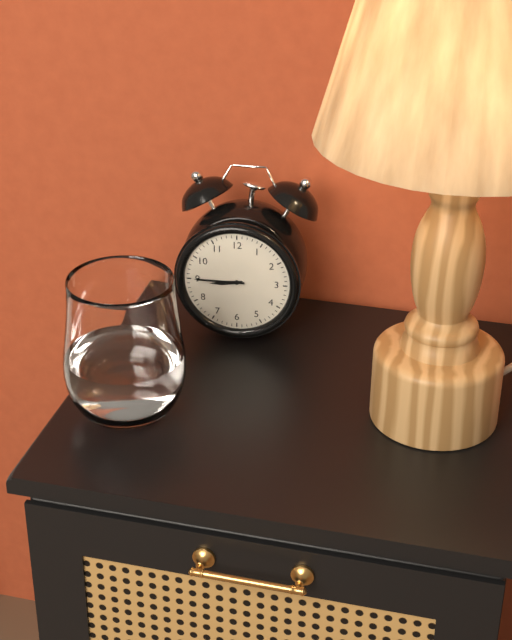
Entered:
8h45
